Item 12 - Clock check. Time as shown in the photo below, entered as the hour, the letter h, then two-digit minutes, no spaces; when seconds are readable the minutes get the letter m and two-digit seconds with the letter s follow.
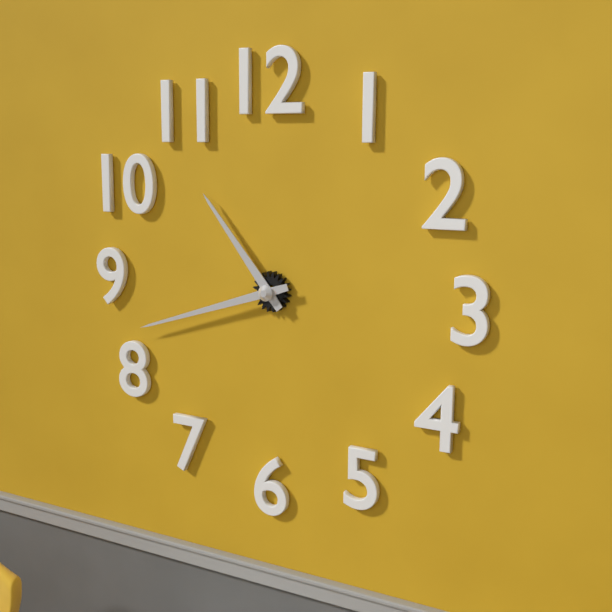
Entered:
10h42
